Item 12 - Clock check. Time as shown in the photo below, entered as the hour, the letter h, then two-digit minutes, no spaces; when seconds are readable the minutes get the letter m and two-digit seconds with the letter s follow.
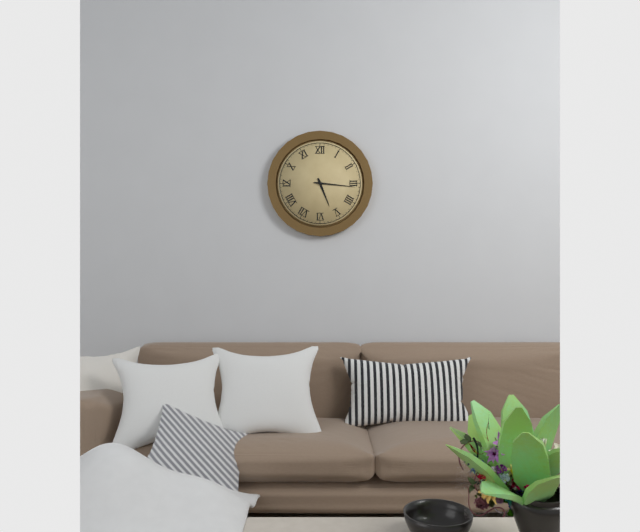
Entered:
5h16
